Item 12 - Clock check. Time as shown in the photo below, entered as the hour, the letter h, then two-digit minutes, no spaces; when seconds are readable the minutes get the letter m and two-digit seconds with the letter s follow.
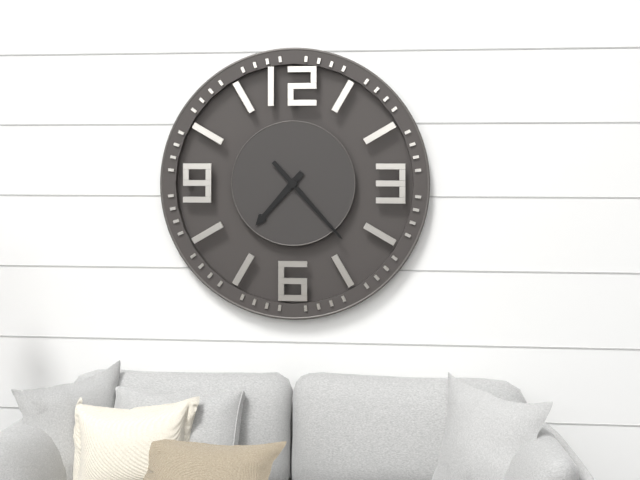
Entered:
7h23
